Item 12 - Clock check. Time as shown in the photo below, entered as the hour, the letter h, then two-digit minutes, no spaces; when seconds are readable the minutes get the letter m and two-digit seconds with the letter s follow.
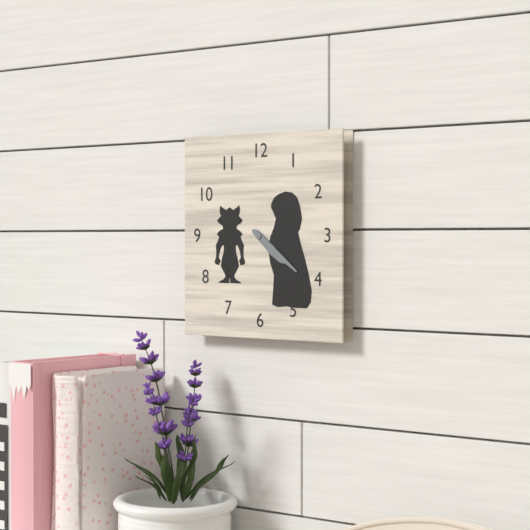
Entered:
4h21
